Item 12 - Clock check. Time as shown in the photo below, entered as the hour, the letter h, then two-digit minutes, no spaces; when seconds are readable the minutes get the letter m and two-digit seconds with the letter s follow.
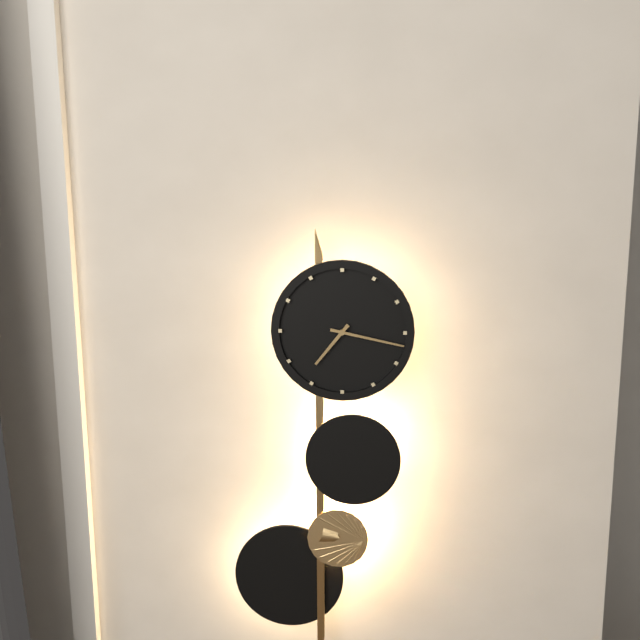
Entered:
7h17
